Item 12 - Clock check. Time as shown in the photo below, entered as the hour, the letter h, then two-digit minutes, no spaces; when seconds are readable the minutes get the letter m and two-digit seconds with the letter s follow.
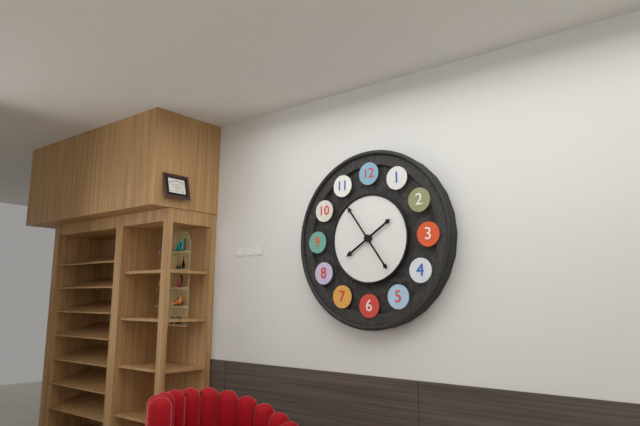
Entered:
7h54
